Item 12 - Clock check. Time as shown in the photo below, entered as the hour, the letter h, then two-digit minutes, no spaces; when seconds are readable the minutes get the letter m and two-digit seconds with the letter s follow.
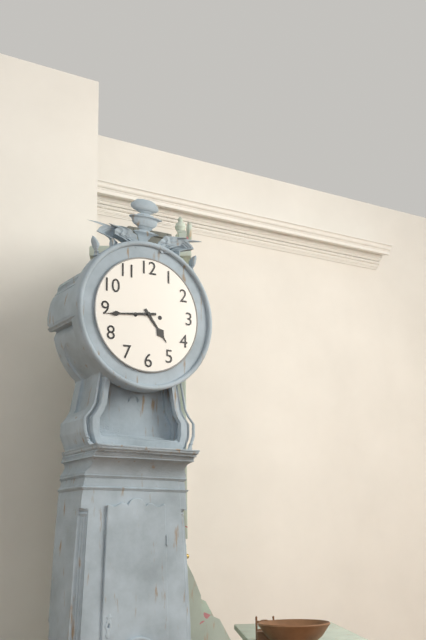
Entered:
4h44
